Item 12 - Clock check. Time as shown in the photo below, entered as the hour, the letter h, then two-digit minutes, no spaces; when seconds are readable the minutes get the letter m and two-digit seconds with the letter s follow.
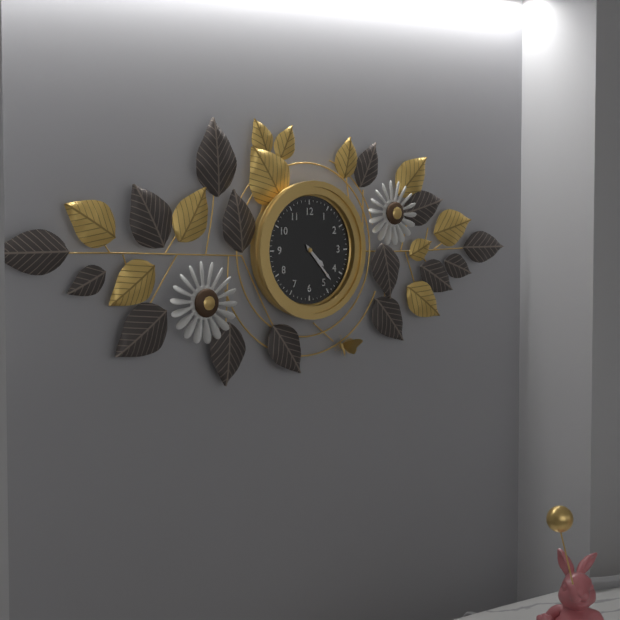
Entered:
4h23
